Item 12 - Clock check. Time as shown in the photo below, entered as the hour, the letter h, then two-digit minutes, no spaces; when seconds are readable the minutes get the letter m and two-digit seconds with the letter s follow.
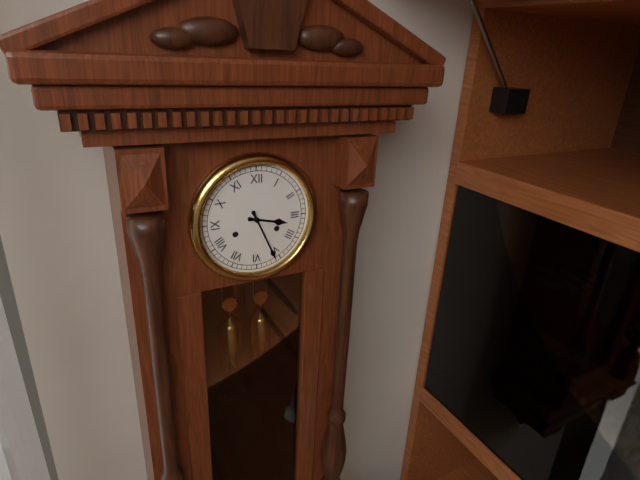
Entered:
3h26
